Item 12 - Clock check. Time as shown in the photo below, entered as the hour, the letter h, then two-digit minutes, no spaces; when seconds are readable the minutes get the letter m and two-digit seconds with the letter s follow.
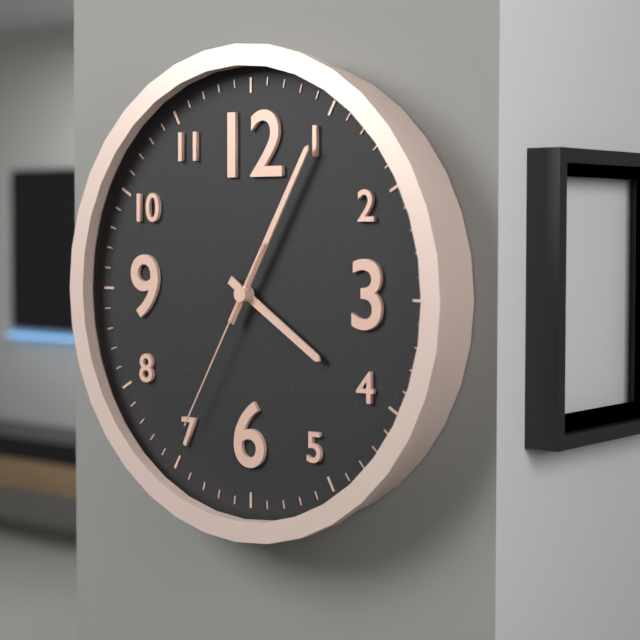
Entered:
4h05m35s
